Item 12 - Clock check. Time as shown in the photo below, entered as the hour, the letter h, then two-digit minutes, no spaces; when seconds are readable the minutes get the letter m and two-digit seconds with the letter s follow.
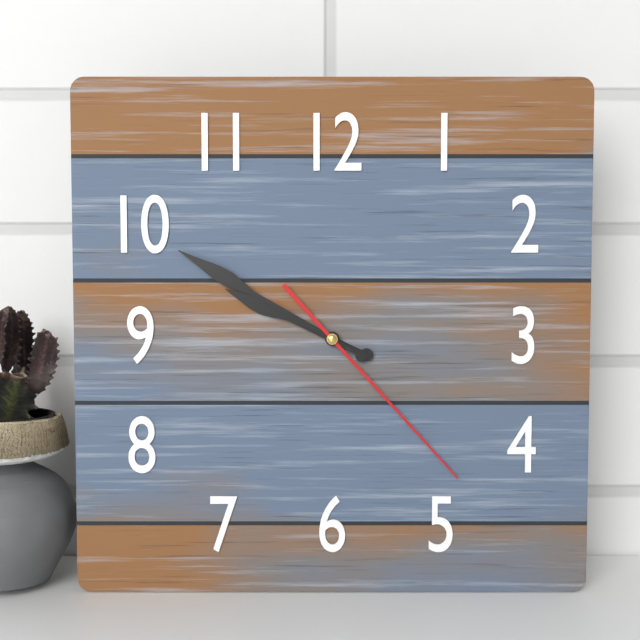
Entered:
9h50m23s
